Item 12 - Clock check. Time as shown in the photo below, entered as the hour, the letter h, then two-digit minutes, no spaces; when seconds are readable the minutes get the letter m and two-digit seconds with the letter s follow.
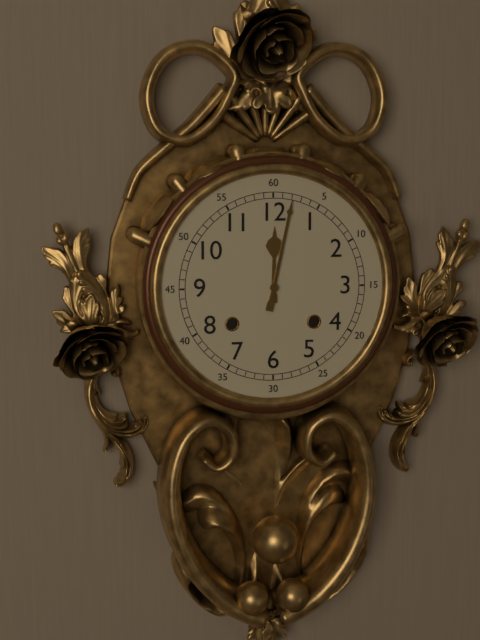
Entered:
12h02
